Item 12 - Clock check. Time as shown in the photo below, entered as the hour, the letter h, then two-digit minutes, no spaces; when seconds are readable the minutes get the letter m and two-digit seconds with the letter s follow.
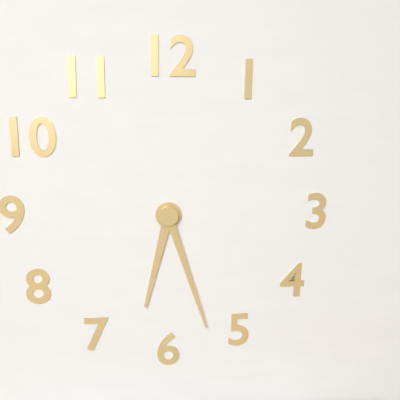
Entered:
6h27
